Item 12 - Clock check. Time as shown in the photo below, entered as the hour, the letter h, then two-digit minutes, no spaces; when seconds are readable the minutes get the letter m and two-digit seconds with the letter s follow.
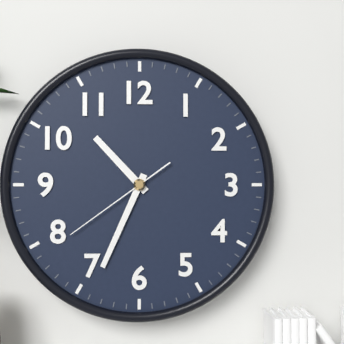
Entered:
10h34m39s
